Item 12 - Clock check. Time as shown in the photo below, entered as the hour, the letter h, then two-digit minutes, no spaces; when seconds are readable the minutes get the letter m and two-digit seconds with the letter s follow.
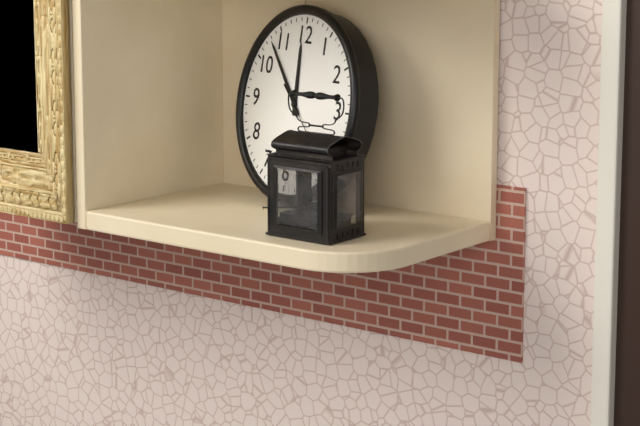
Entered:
11h53
